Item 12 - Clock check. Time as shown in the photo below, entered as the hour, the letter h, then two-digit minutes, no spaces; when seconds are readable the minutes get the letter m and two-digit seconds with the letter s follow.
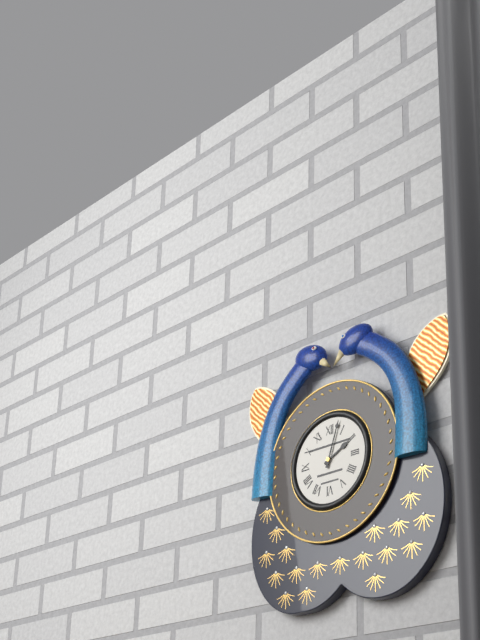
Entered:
2h03
